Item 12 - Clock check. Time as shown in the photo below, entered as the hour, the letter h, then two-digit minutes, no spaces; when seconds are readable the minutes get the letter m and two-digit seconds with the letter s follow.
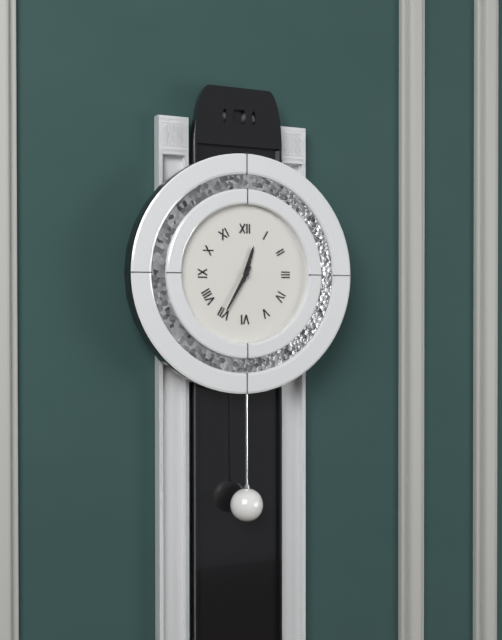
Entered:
12h35
